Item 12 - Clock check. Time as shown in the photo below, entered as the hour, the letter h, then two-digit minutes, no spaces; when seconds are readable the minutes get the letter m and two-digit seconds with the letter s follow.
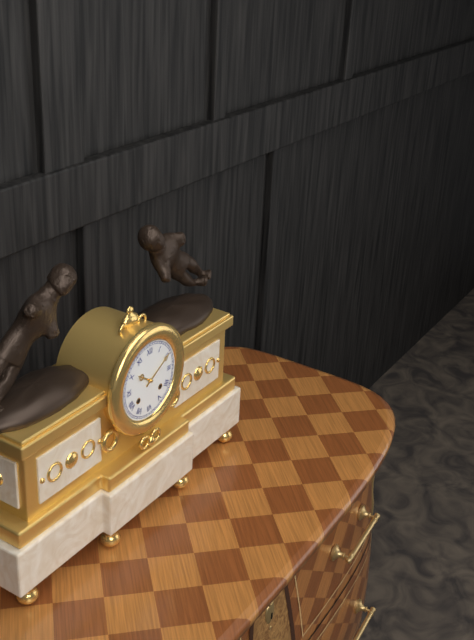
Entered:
10h10
